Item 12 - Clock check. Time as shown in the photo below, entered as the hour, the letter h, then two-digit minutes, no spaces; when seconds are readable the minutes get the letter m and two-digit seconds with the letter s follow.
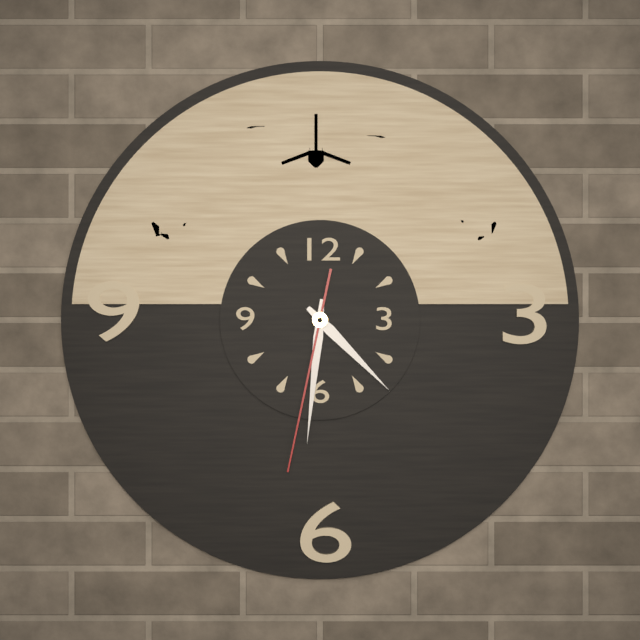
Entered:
4h31m32s
